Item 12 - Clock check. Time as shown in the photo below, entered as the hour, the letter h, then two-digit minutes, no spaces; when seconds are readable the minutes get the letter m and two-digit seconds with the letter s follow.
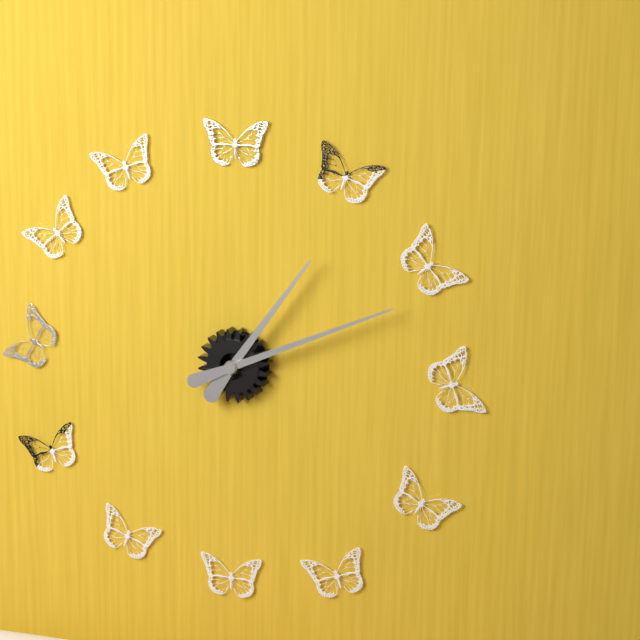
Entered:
1h11
